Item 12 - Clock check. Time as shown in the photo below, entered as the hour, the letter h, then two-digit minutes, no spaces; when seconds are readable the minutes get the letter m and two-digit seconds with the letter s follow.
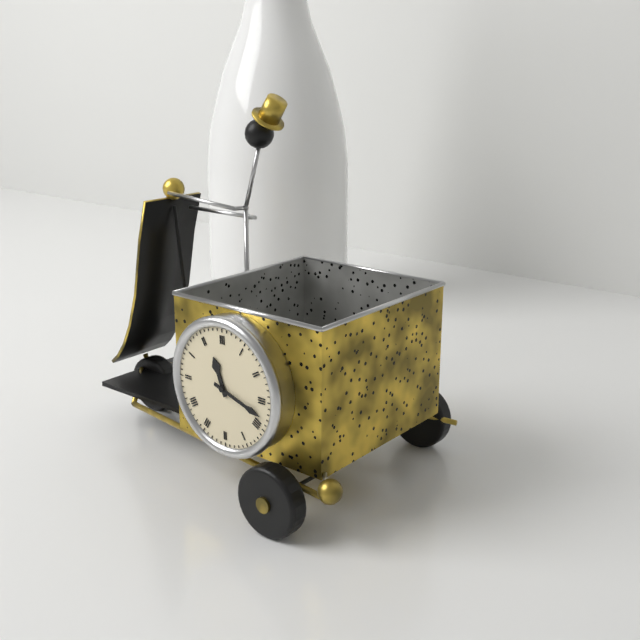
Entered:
11h18
